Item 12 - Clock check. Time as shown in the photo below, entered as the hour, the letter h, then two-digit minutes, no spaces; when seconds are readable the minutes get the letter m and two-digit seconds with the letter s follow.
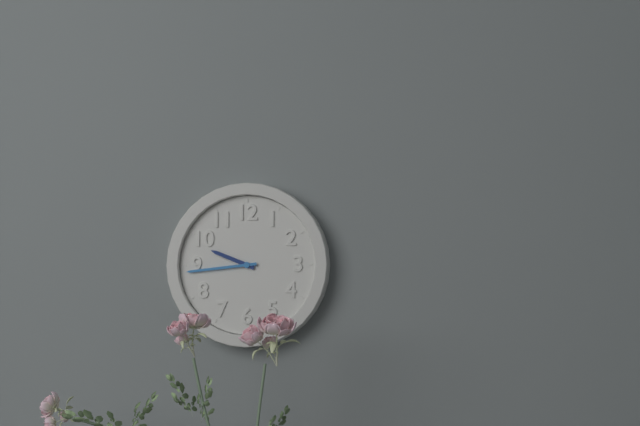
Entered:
9h44
